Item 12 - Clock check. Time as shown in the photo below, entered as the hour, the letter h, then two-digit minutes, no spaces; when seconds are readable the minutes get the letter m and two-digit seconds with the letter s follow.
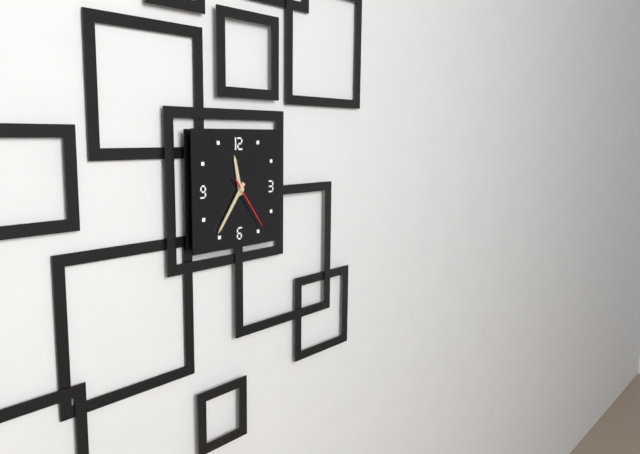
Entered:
11h36m24s
